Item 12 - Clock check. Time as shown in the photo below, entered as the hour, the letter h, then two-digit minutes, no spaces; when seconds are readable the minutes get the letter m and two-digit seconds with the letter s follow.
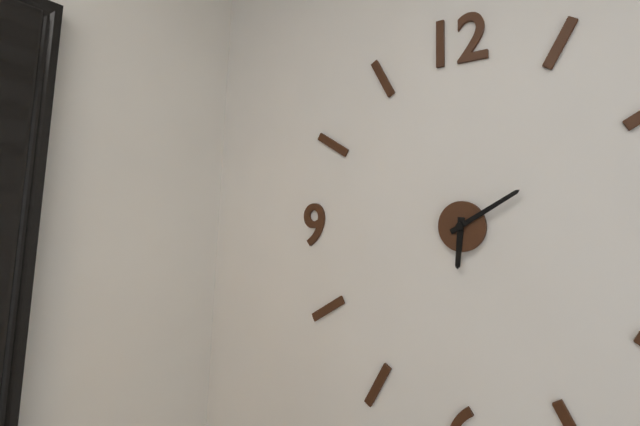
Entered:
6h10
